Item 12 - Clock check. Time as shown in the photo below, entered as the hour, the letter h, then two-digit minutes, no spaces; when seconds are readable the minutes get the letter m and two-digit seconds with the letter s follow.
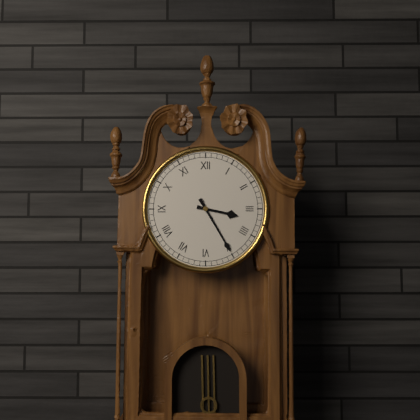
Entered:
3h25
